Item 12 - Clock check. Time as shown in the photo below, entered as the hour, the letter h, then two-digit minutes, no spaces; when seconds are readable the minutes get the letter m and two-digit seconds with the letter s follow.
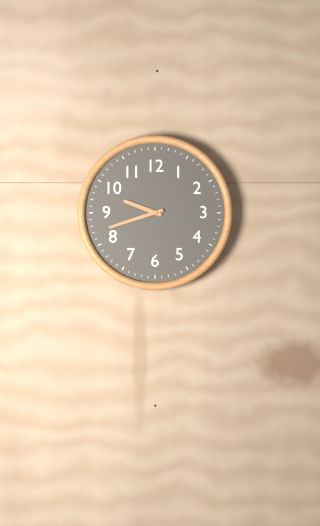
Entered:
9h42
